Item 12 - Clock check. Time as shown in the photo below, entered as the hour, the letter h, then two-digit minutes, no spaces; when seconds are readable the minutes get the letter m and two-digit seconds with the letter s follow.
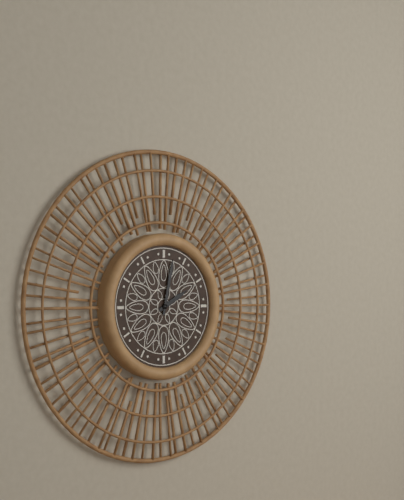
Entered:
2h02
